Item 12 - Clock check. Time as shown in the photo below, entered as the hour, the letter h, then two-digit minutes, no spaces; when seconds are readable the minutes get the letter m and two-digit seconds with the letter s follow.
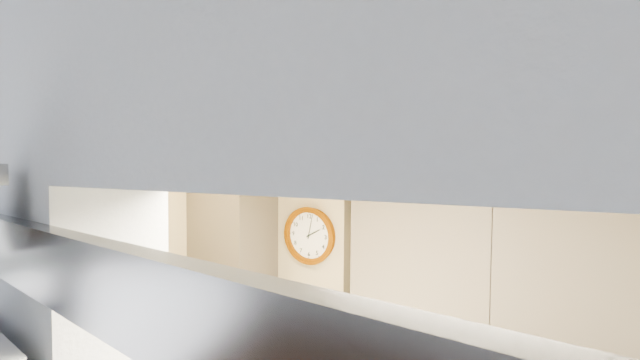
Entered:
2h02
